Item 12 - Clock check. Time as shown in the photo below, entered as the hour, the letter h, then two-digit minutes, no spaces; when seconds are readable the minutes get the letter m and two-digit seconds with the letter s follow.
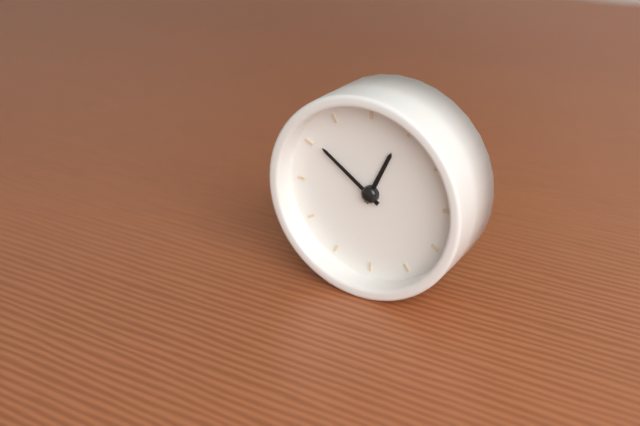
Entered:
12h51
